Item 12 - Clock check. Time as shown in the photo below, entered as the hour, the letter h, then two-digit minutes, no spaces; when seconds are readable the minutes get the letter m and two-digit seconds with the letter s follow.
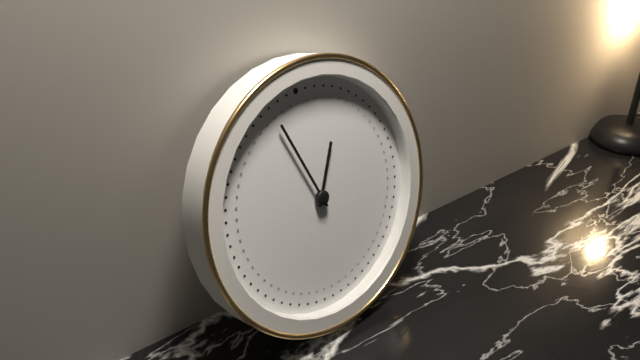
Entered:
12h57
